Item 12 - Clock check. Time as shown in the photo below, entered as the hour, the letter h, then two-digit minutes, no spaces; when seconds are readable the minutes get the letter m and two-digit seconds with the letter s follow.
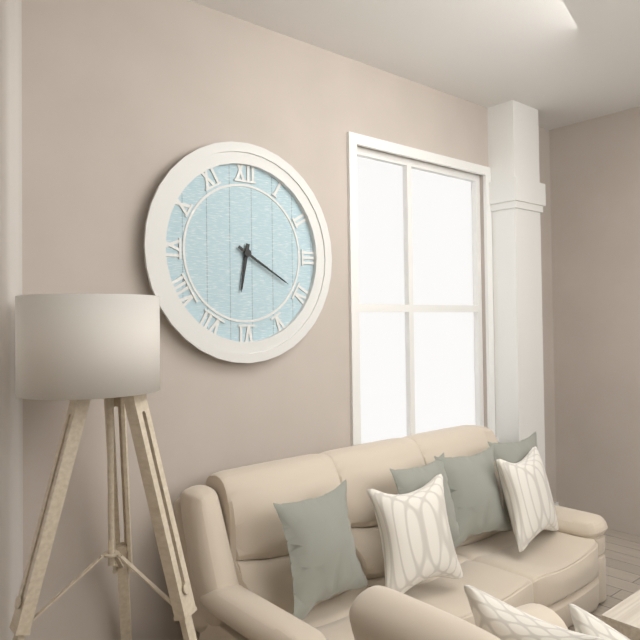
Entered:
6h20
